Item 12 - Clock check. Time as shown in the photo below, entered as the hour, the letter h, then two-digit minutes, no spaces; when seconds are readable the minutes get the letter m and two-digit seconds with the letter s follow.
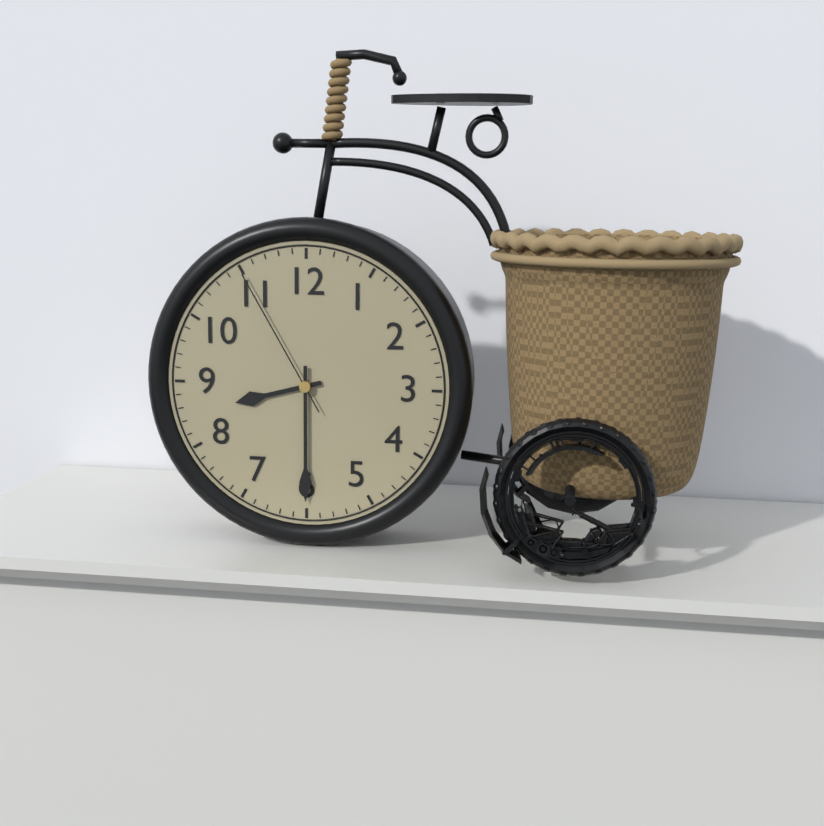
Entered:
8h30m55s
